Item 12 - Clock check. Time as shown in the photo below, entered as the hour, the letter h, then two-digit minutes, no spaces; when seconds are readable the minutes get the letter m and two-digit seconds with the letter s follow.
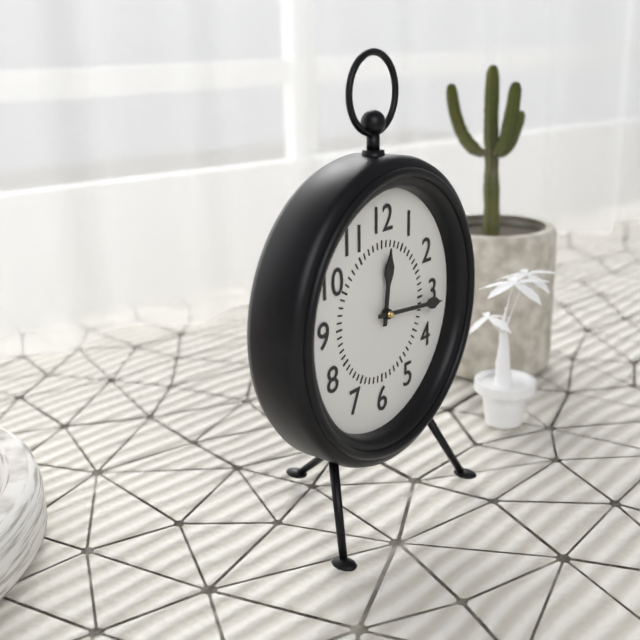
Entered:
12h16
